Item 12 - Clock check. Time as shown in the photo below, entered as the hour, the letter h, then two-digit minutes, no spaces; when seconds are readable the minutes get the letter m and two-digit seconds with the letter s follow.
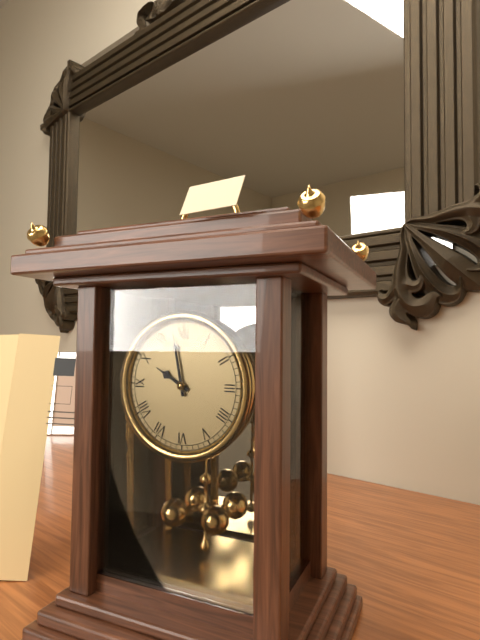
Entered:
9h58
